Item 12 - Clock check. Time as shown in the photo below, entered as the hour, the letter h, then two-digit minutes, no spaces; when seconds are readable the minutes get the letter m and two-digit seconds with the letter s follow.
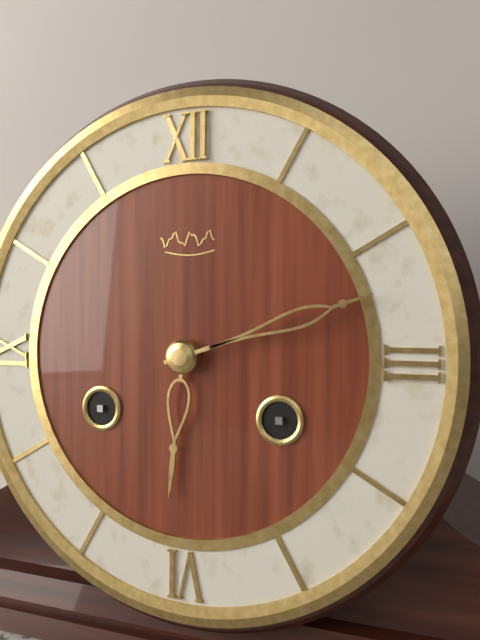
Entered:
6h12
